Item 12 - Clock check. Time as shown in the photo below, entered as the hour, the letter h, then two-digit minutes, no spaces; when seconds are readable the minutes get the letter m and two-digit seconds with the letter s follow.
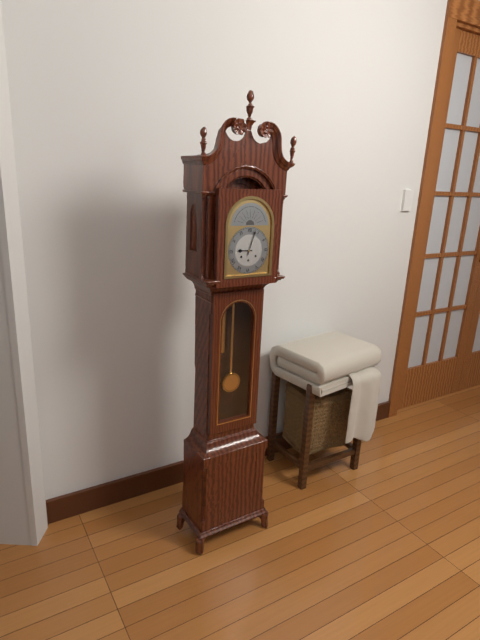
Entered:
9h03
